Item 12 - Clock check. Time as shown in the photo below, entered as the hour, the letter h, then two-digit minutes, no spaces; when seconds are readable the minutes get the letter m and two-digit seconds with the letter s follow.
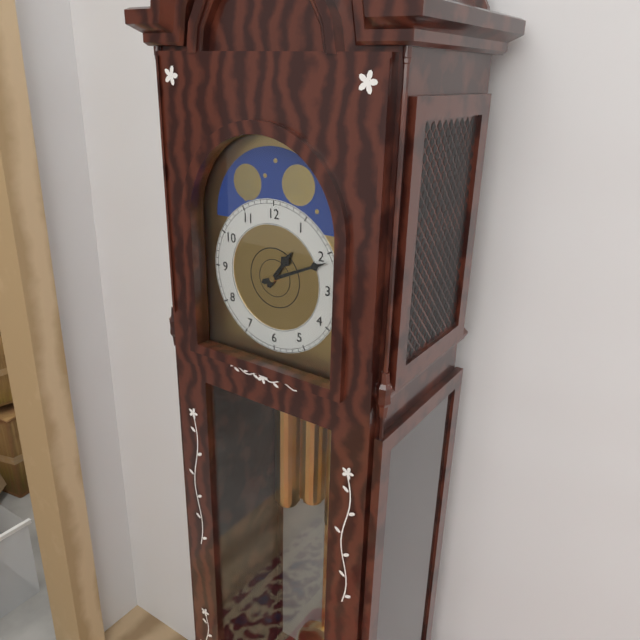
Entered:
1h11
